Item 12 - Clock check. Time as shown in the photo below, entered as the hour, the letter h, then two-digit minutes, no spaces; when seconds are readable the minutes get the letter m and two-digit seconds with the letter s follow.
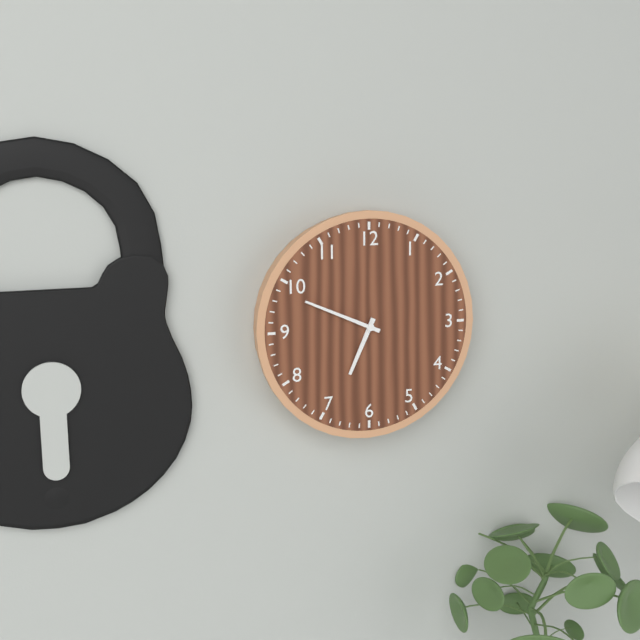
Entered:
6h49
